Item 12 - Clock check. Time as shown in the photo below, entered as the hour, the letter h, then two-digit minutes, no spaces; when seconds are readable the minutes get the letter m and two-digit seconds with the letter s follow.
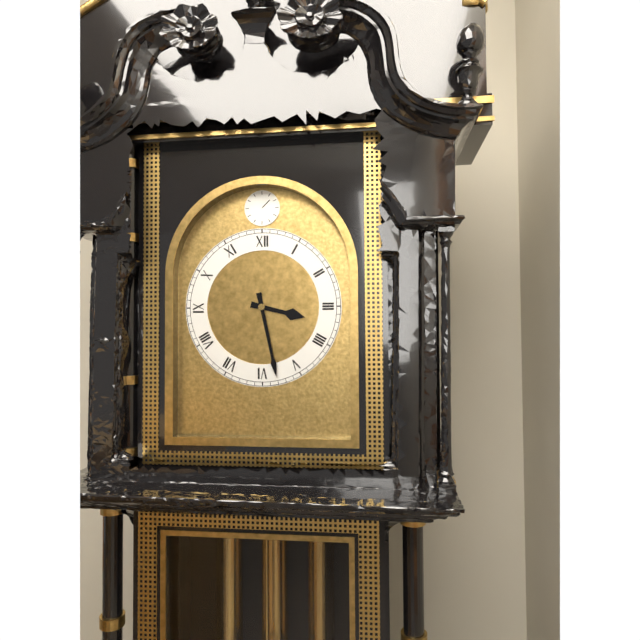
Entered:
3h28
